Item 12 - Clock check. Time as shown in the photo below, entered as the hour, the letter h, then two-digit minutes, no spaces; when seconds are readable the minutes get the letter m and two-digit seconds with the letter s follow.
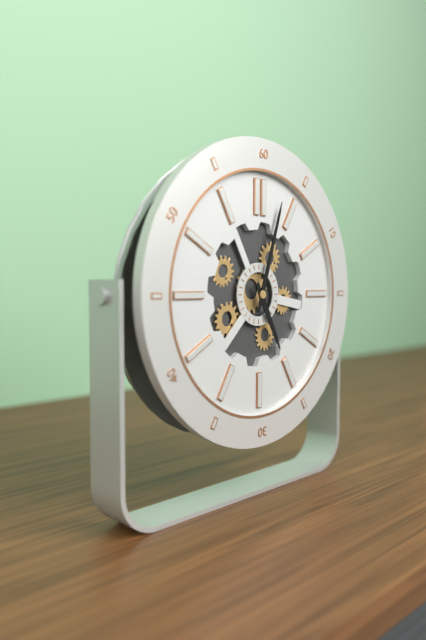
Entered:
5h03
